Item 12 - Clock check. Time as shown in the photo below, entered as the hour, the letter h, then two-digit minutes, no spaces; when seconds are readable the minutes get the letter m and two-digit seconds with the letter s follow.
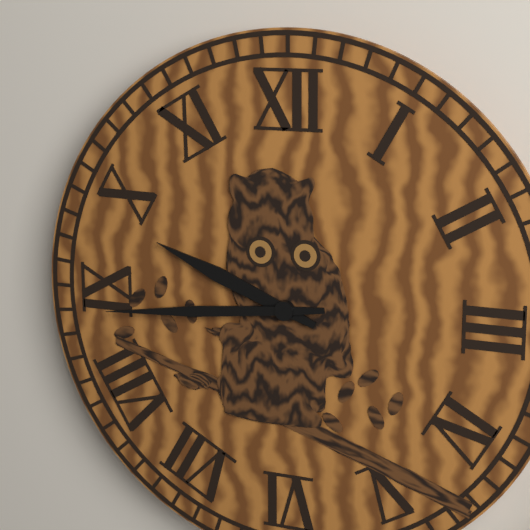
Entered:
9h44
